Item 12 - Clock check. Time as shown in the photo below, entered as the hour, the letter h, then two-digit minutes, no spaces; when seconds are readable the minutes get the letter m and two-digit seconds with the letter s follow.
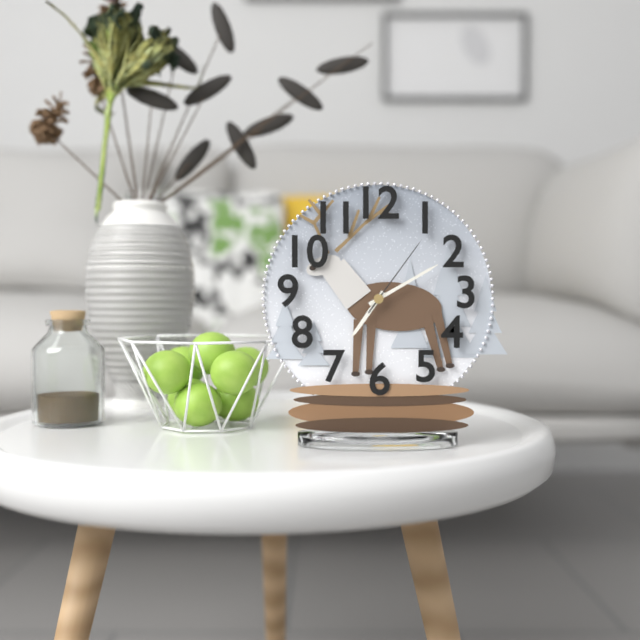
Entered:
7h10m06s
